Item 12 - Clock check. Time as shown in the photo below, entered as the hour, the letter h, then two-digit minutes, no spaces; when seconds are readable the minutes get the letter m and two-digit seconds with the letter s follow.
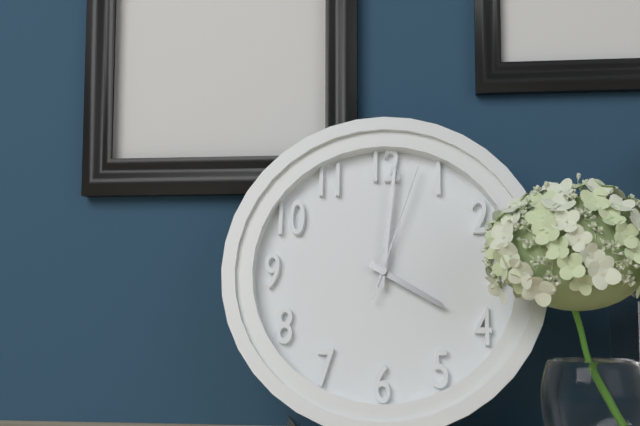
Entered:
4h01m03s
